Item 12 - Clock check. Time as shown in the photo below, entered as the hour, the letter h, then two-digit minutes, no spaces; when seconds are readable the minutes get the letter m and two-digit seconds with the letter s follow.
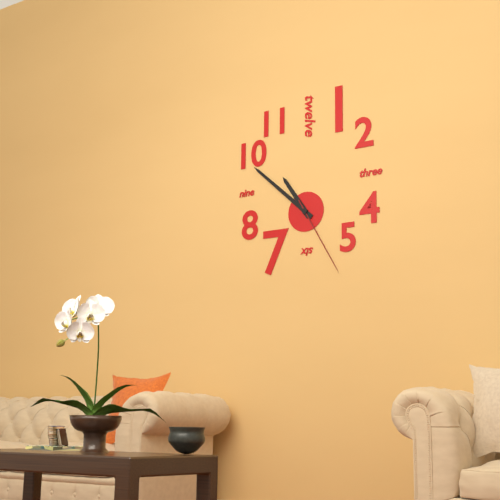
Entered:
10h52m25s
